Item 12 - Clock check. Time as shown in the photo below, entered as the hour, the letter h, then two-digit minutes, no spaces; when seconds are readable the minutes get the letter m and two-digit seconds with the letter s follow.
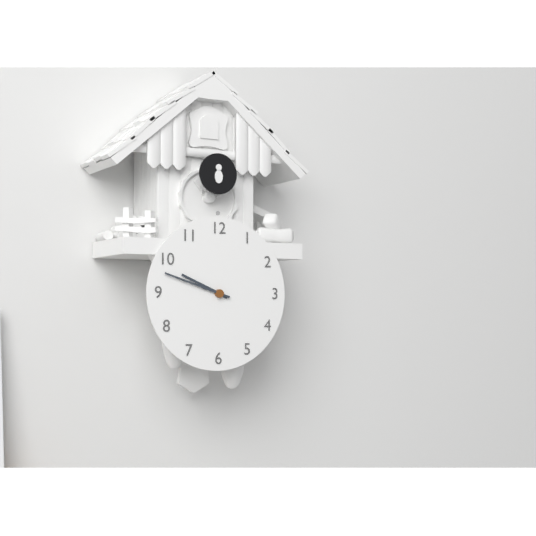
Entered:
9h48
